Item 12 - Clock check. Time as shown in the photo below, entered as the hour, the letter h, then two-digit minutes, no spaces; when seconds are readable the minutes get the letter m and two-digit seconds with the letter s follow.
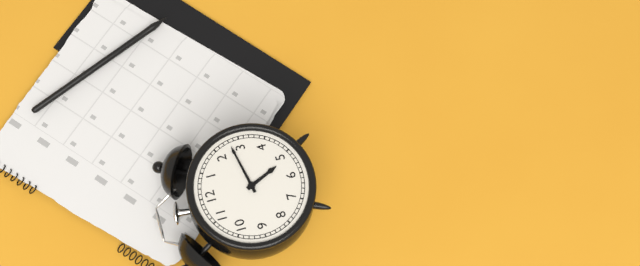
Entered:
5h13
